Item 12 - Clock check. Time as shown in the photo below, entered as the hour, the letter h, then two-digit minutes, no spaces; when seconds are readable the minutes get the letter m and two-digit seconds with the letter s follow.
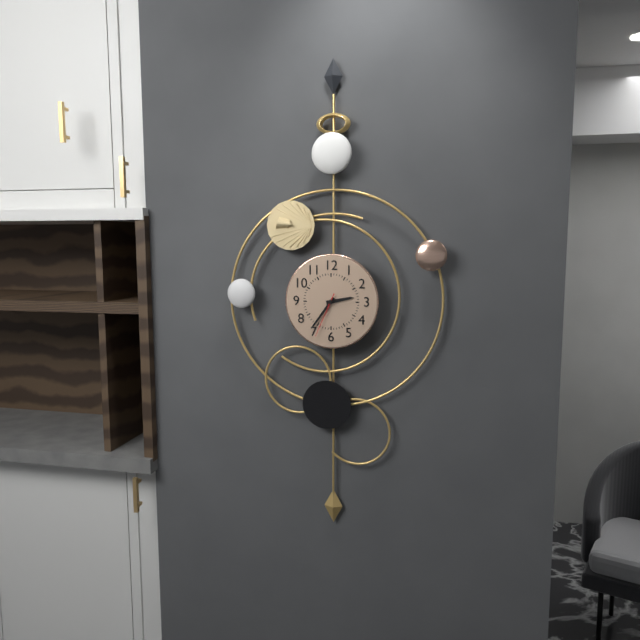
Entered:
2h36
